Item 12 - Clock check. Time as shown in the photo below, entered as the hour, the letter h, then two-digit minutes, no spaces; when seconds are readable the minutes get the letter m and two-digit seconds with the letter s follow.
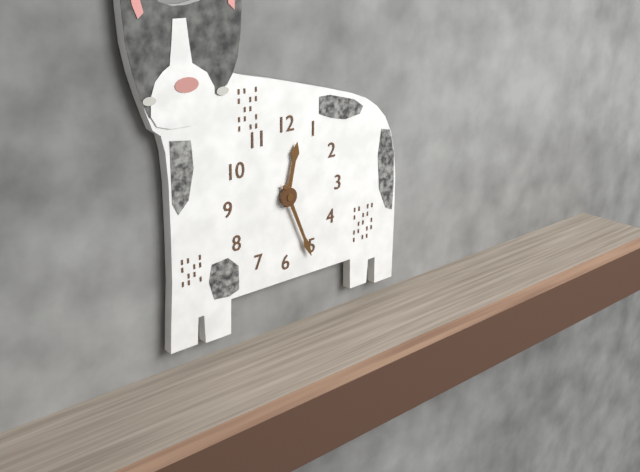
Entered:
12h26
